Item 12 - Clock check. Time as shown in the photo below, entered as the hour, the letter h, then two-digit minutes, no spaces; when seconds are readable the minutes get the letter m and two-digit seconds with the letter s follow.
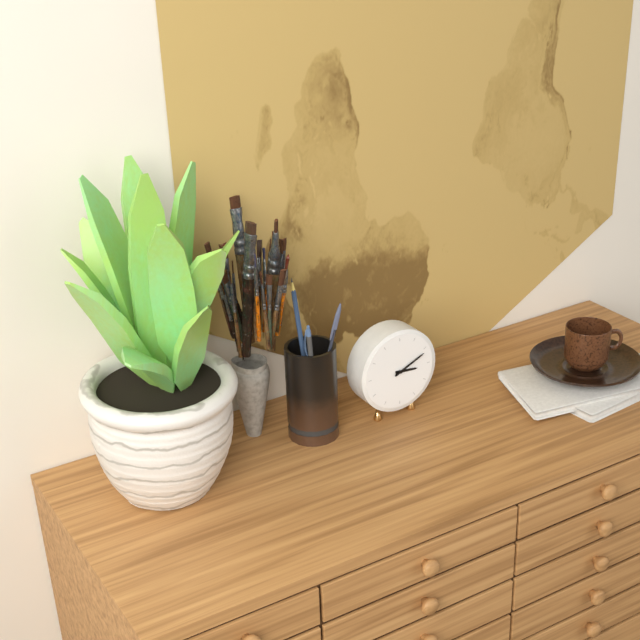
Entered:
3h11
